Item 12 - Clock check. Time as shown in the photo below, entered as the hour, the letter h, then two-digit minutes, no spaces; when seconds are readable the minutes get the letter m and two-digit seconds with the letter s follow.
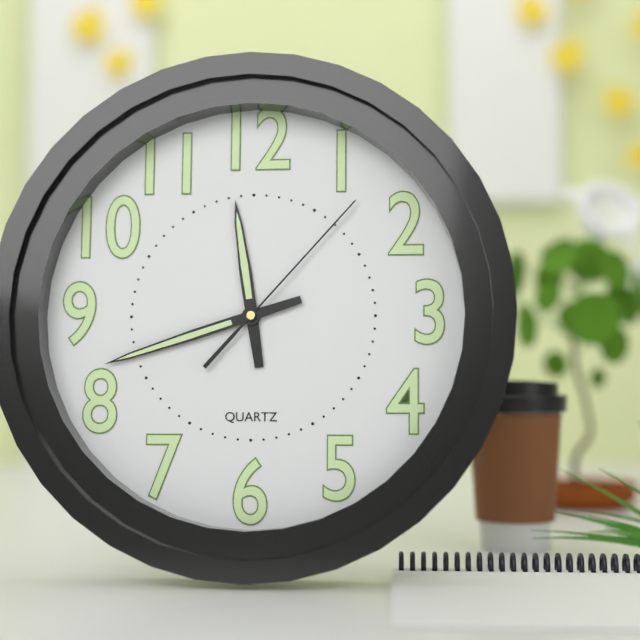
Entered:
11h42m07s
